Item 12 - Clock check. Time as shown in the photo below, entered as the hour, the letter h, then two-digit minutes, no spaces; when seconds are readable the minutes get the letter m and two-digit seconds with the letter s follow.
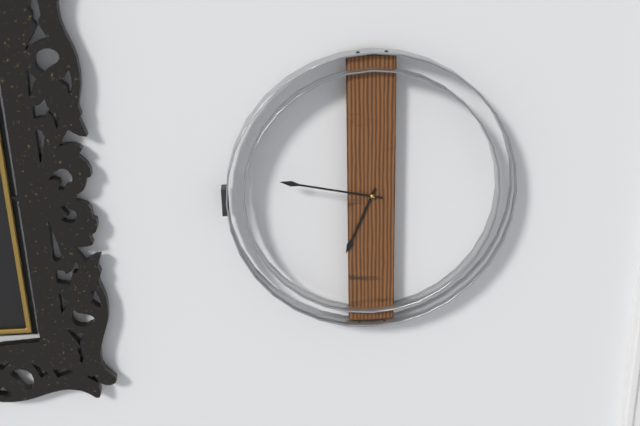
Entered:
6h47
